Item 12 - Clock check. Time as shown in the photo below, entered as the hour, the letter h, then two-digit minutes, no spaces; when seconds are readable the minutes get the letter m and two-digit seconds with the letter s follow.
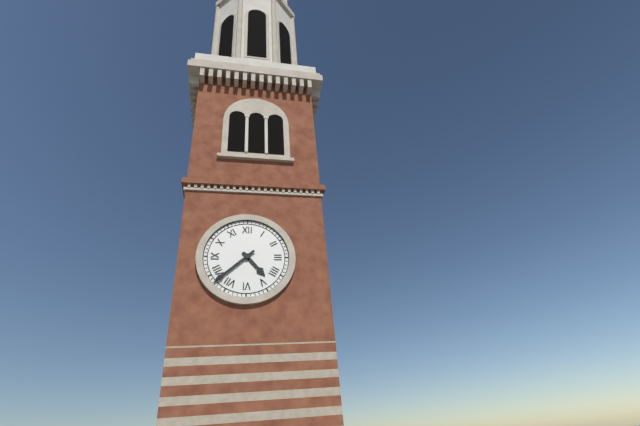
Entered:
4h38
